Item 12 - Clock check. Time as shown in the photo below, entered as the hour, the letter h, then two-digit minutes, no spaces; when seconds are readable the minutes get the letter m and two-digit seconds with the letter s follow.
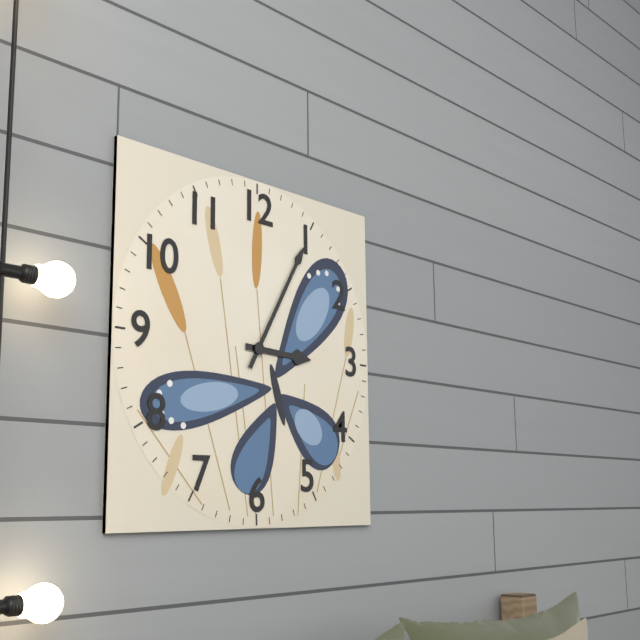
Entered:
3h05
